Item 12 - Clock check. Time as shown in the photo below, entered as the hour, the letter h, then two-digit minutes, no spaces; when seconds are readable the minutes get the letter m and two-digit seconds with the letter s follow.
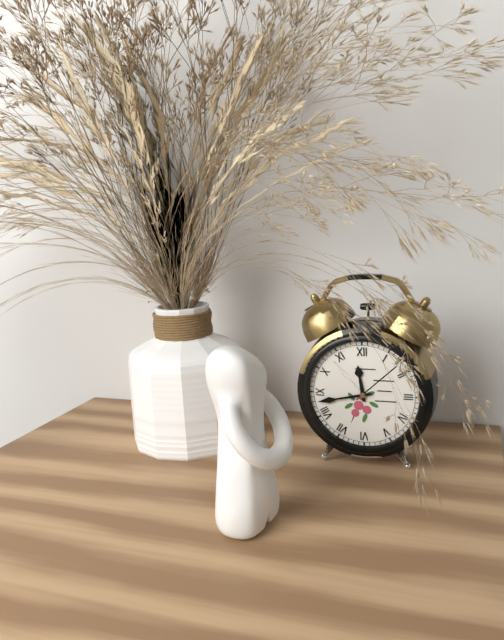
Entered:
11h43
